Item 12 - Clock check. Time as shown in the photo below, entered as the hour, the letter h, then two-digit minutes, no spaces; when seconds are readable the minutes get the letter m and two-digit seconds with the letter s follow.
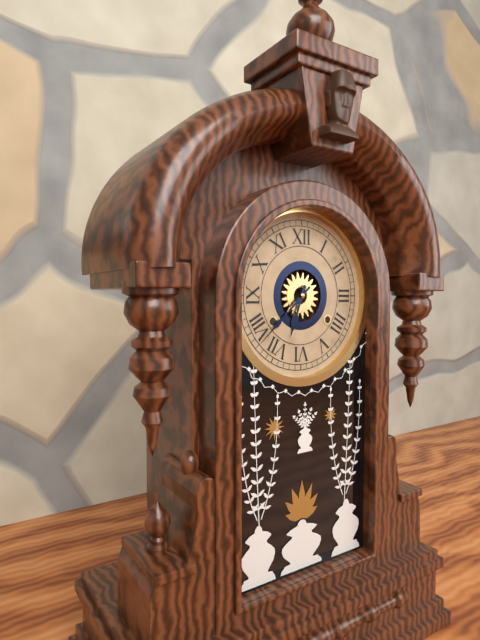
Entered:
6h38
